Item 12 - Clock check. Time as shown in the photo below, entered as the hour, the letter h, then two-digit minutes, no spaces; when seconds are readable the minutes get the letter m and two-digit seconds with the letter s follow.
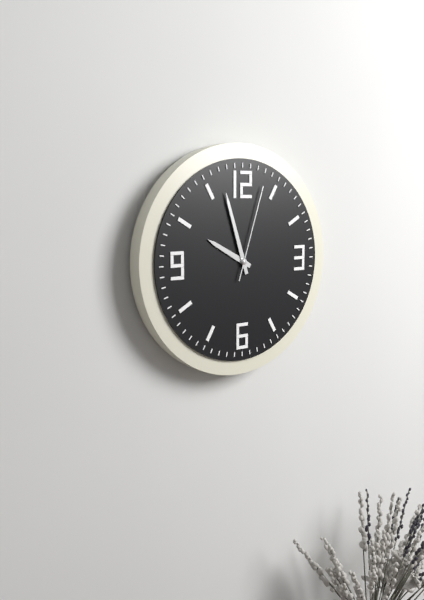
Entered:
9h57m03s
